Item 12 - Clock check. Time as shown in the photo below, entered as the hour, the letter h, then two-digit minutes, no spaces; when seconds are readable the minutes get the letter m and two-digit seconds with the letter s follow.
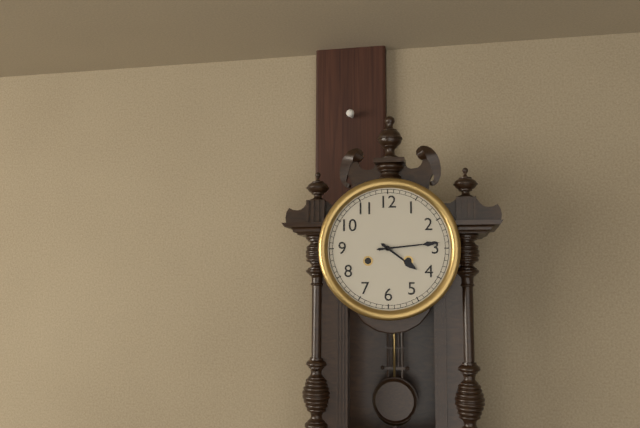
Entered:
4h14
